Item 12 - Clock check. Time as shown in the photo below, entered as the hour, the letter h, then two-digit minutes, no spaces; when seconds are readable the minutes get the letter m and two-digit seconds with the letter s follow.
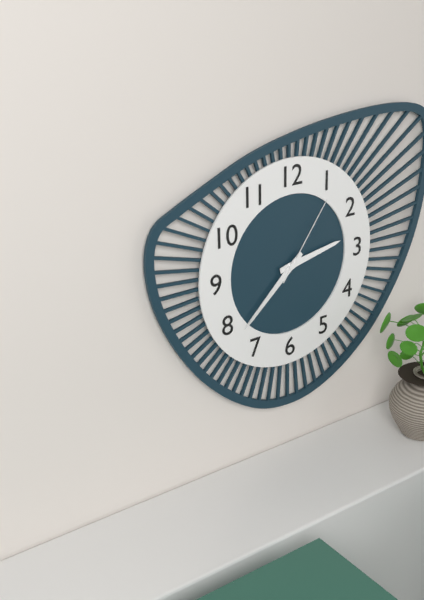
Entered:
2h38m06s
